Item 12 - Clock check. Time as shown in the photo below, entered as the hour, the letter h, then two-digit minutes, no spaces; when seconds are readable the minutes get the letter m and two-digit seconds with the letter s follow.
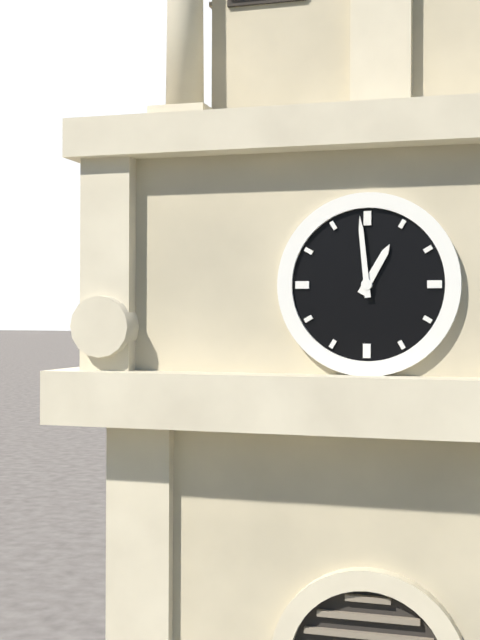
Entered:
12h59
